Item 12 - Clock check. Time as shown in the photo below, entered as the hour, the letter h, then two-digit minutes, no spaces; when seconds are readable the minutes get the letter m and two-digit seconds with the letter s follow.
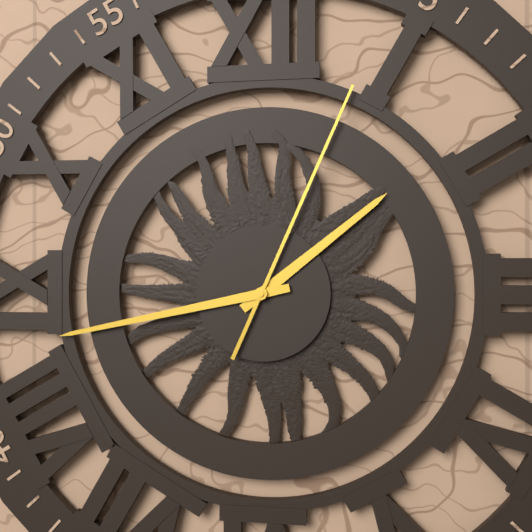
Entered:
1h43m04s
